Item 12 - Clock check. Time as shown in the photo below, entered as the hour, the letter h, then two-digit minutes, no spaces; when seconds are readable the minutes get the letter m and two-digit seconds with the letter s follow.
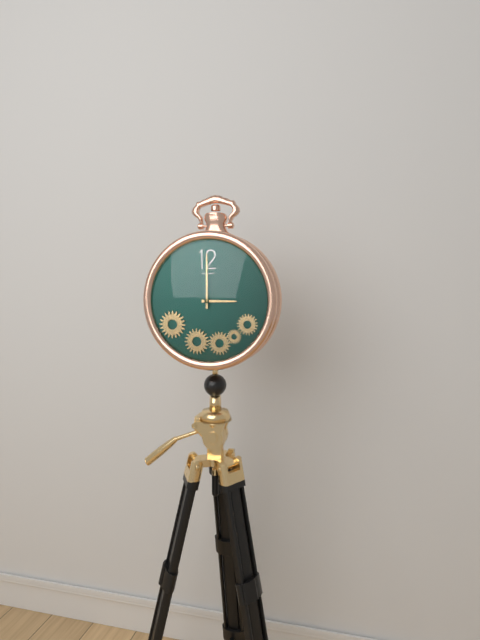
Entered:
3h00
